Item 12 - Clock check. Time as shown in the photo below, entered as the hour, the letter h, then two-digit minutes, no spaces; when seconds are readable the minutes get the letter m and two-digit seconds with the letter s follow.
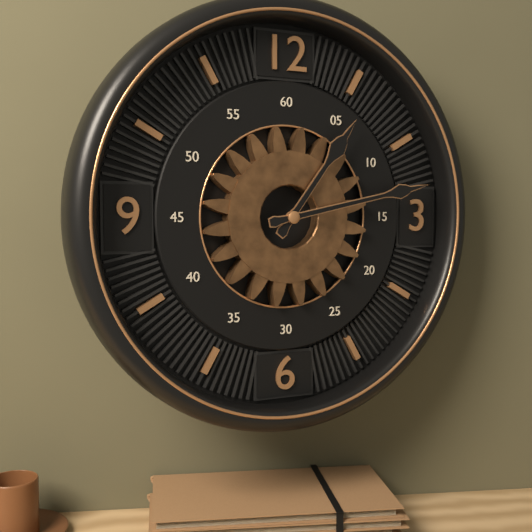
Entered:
1h13
